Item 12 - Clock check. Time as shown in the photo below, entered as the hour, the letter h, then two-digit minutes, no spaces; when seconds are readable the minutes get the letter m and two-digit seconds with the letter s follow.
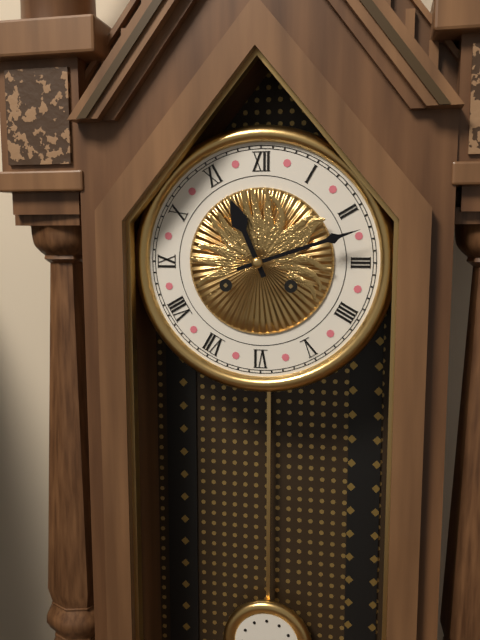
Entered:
11h12
